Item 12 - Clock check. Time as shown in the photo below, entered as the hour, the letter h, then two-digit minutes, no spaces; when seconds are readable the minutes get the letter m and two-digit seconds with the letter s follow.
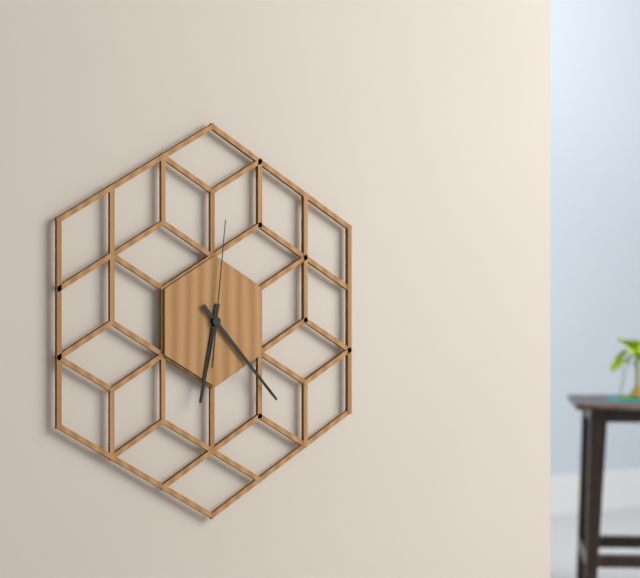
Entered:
6h23m01s
